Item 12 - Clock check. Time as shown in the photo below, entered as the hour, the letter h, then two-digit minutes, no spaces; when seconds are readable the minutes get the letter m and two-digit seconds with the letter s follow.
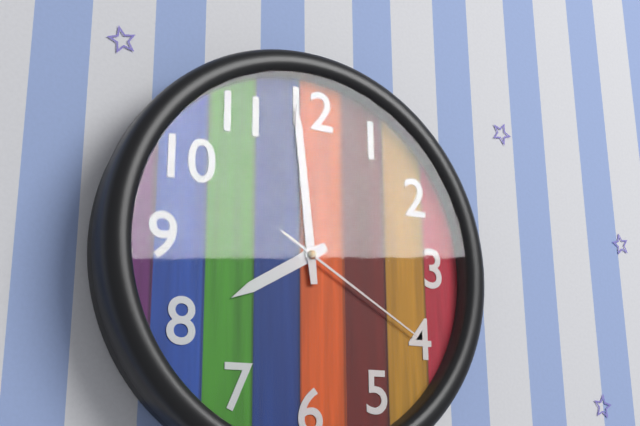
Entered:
7h59m20s
